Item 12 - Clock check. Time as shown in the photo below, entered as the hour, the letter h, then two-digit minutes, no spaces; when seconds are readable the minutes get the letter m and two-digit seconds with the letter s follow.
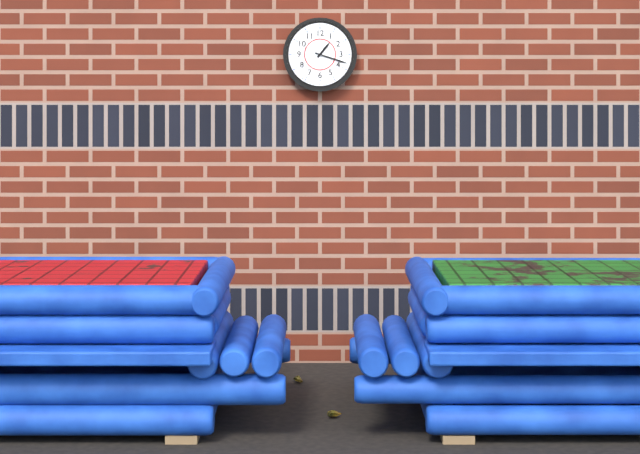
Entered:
1h18
